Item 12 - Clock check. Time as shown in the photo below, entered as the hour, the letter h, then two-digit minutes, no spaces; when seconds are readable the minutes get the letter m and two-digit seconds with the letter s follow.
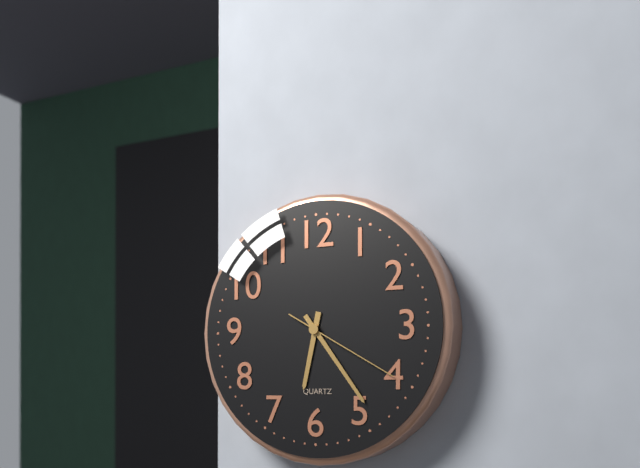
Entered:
6h24m20s
